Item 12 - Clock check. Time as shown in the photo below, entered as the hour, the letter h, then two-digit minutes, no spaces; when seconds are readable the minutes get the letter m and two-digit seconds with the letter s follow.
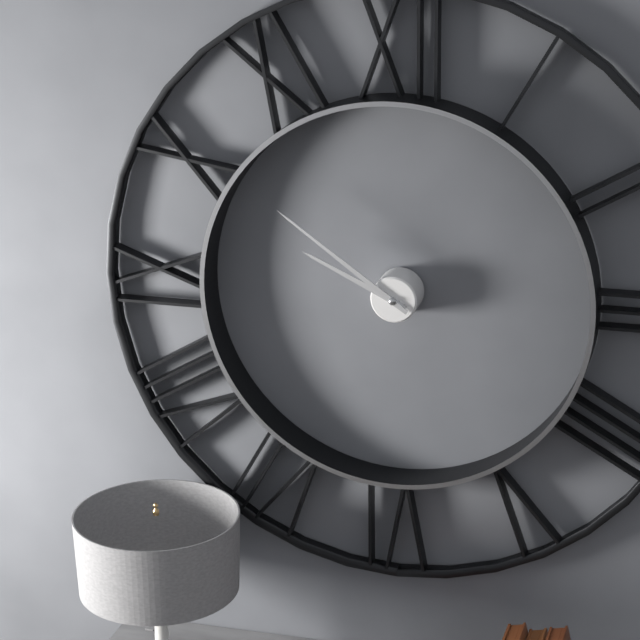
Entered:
9h51
